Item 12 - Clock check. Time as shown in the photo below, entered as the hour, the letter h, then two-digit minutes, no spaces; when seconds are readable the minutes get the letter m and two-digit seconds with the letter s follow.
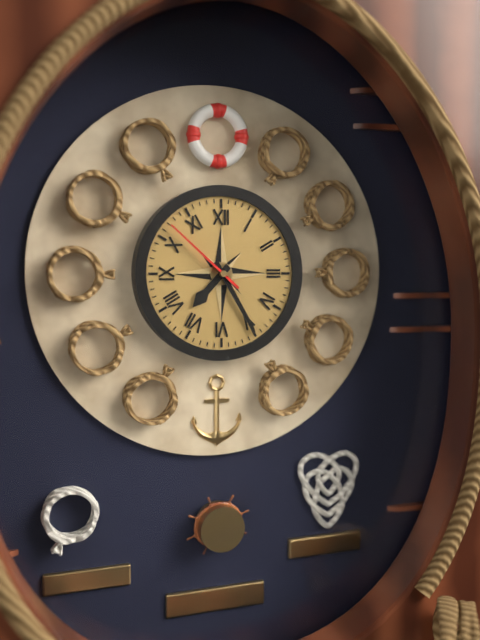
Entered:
7h25m52s
